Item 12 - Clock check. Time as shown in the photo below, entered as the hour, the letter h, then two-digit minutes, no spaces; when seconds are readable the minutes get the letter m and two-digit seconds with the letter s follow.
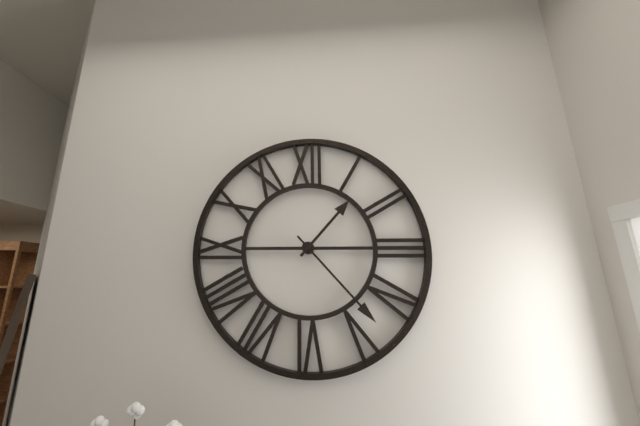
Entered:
1h23
